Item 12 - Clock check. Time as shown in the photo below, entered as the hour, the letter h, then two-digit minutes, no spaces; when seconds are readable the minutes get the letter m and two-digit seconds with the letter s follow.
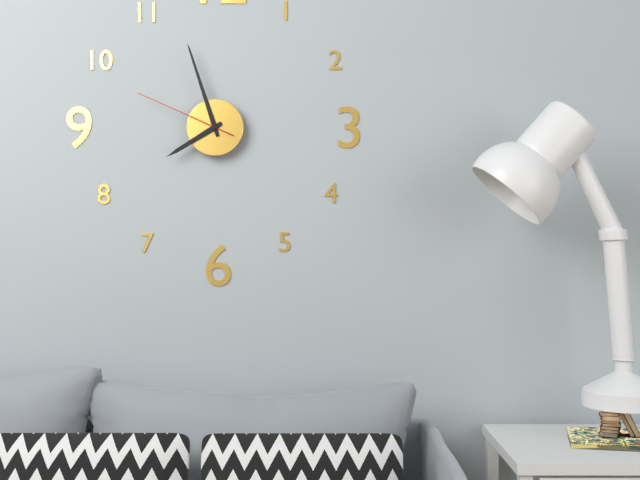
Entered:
7h57m49s
